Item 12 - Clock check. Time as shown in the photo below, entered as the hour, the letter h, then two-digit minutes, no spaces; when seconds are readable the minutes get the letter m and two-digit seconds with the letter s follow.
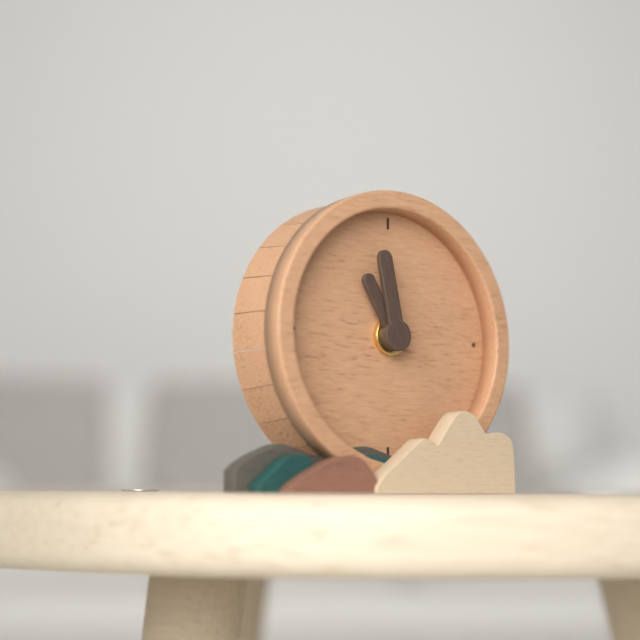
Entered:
10h58
